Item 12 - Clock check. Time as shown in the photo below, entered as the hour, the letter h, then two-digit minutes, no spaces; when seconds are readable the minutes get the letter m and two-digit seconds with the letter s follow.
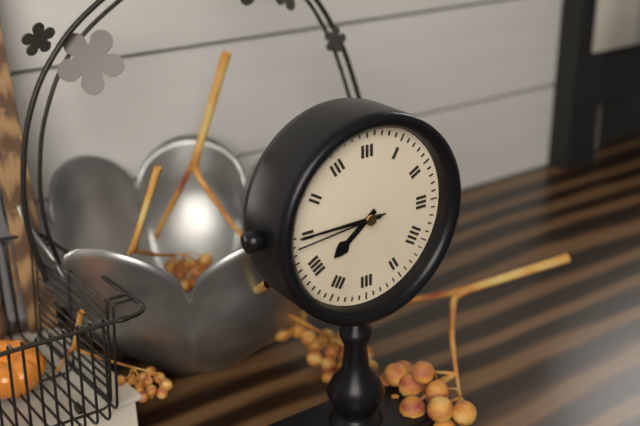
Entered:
7h45m44s
